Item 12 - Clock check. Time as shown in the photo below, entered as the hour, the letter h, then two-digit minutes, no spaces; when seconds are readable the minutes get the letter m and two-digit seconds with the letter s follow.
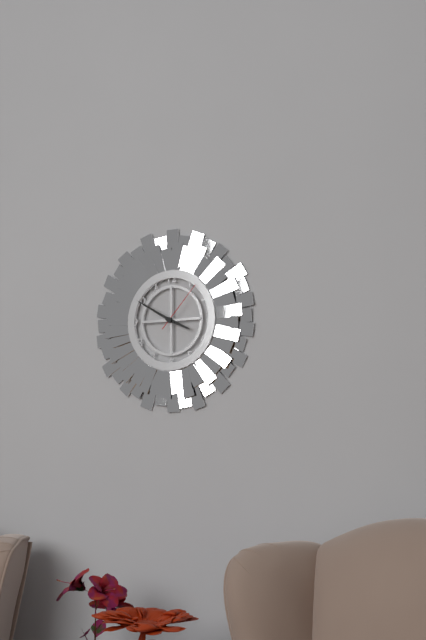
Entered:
3h50m07s
